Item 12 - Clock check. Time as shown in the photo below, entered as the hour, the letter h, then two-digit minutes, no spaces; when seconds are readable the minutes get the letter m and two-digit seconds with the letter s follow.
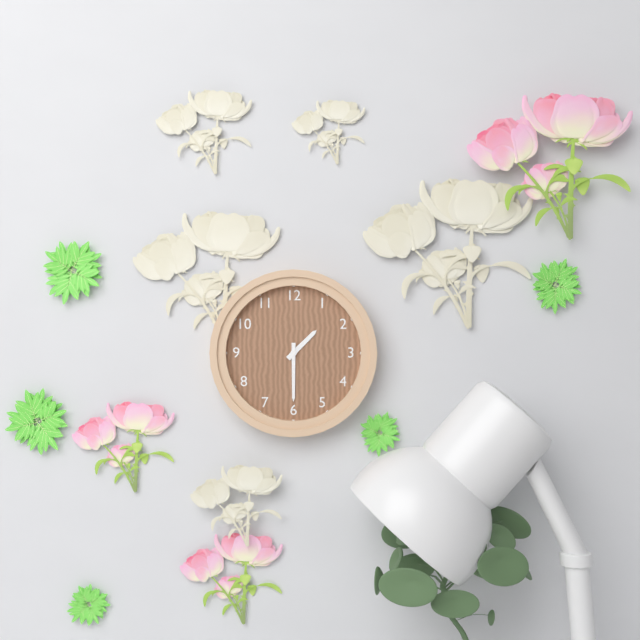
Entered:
1h30
